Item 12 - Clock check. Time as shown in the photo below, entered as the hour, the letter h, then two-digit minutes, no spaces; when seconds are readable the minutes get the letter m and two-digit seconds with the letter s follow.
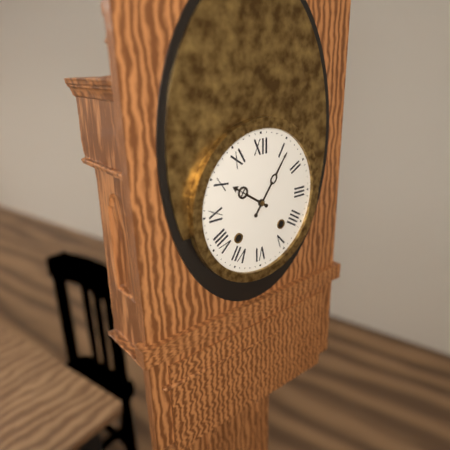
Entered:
10h06
